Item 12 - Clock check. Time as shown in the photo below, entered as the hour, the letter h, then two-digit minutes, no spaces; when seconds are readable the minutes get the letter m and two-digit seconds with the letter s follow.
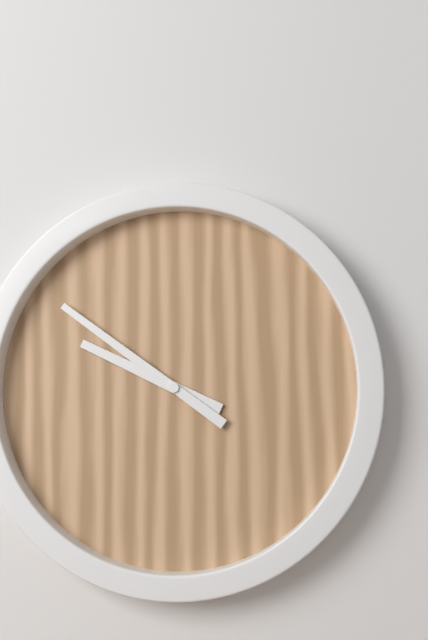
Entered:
9h51
